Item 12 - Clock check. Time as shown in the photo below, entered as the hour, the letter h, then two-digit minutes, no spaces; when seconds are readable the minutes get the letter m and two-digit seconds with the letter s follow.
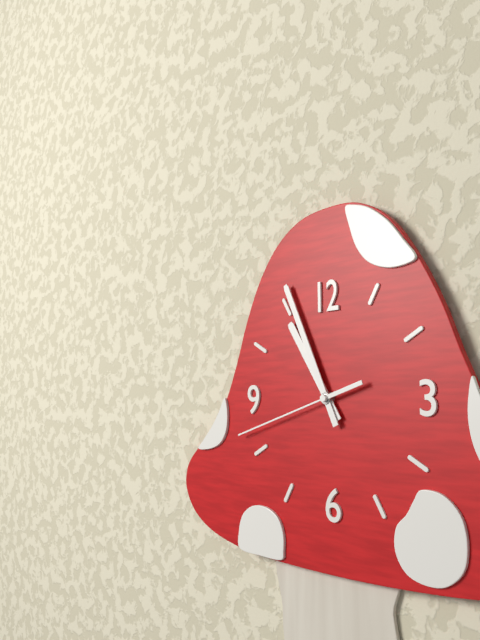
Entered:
10h56m42s
